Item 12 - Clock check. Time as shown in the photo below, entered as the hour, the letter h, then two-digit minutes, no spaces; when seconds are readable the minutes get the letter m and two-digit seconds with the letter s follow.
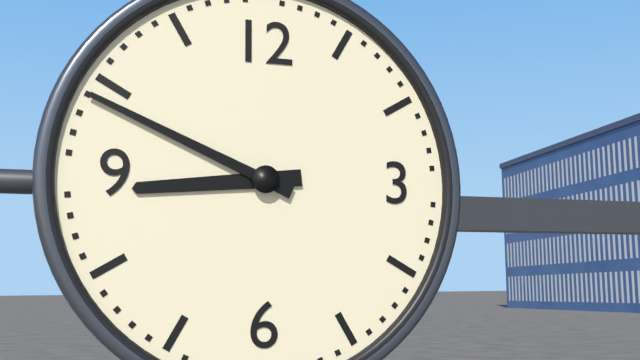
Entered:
8h49
